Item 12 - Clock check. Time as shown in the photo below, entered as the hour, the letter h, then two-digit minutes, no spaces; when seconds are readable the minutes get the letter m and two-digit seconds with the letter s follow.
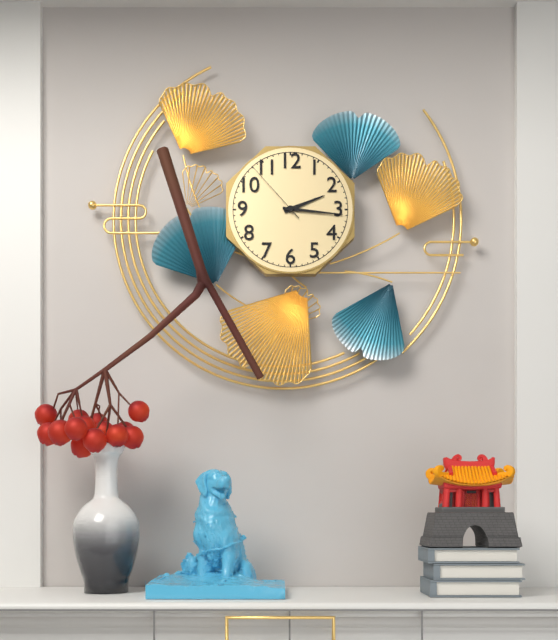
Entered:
2h16m53s
